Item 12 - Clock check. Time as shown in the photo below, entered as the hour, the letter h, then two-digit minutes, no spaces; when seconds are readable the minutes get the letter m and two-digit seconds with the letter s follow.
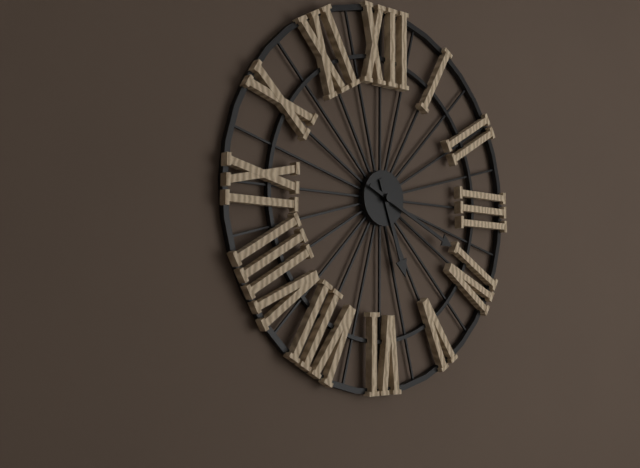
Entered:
5h19
